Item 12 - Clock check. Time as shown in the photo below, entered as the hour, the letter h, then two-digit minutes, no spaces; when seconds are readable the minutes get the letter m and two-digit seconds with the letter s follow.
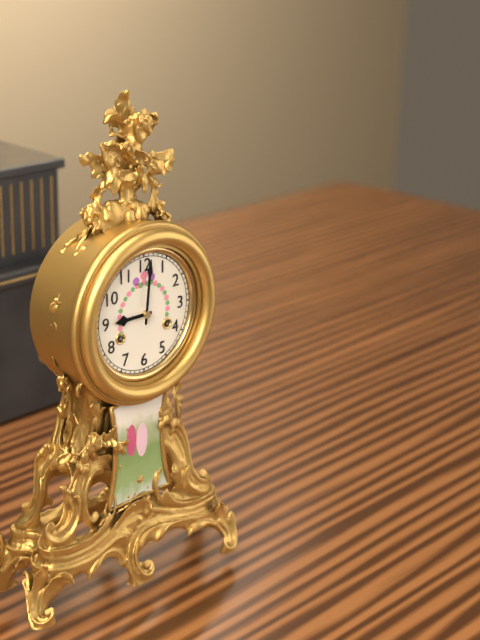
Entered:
9h01
